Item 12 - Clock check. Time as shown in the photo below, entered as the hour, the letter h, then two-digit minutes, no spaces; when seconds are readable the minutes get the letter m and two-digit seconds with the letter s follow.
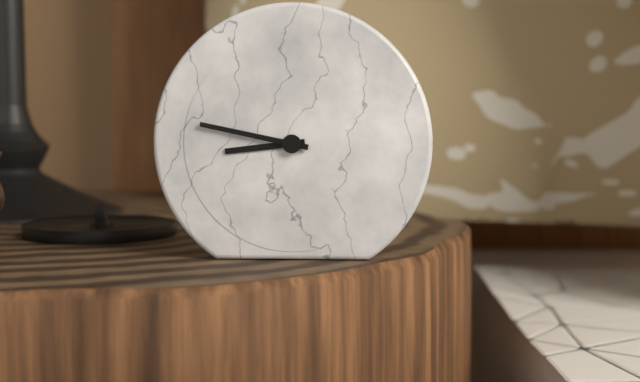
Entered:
8h47
